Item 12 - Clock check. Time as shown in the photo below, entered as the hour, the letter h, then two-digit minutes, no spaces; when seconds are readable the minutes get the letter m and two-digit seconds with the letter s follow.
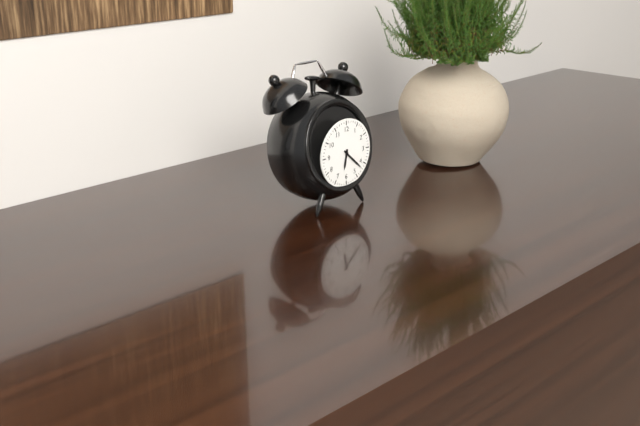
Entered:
6h22
